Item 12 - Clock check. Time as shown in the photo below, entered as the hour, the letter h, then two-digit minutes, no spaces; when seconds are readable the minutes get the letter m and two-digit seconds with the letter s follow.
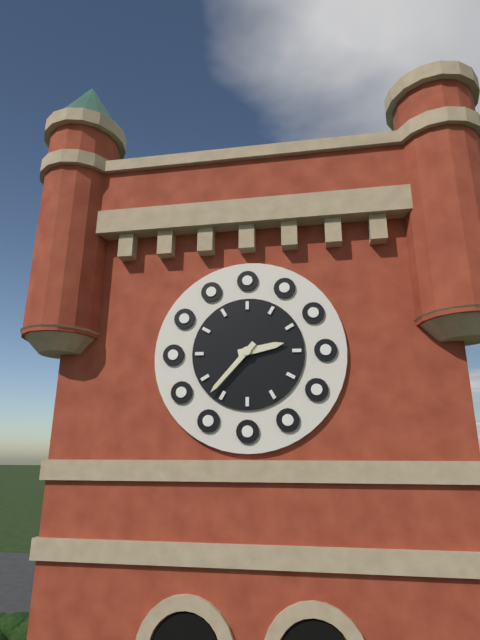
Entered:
2h37
